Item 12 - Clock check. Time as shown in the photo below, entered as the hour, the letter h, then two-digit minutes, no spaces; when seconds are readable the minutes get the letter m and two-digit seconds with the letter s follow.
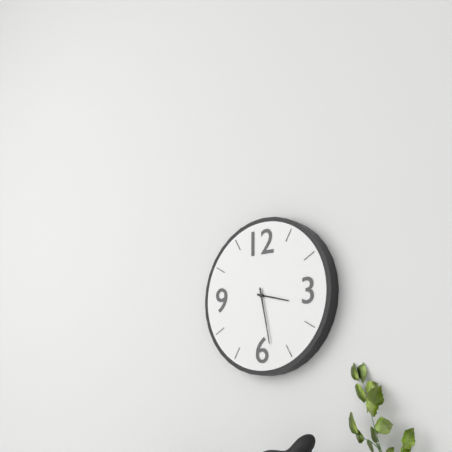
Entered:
3h28
